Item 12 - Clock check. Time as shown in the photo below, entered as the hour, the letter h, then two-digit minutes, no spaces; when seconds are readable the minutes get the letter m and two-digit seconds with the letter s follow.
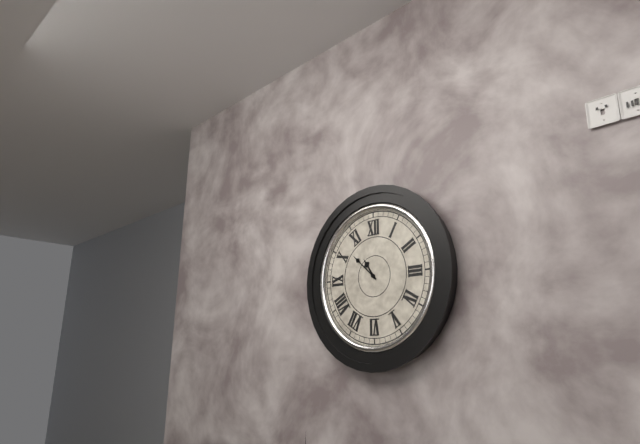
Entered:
10h52
